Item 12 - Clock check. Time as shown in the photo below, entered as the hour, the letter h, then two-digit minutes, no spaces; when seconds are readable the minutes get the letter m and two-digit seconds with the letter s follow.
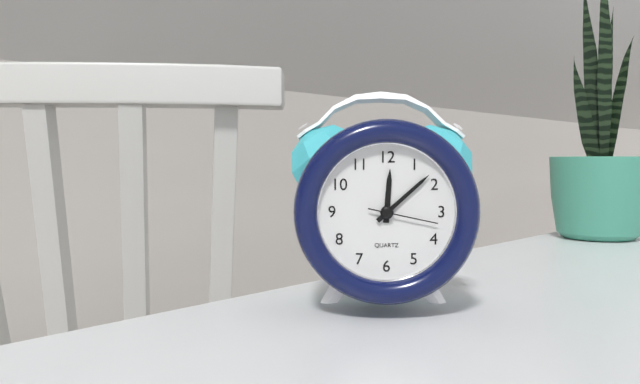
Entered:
12h08m17s
